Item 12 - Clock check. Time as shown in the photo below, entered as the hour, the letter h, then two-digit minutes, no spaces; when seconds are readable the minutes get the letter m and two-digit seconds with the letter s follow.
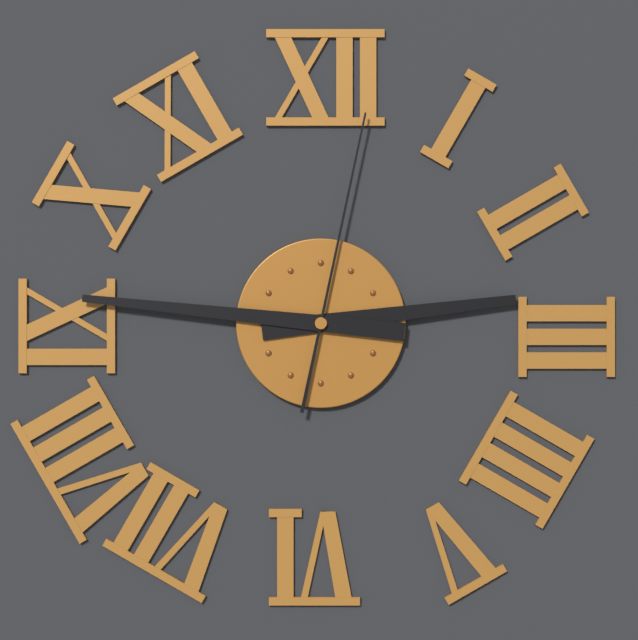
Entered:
2h46m02s
